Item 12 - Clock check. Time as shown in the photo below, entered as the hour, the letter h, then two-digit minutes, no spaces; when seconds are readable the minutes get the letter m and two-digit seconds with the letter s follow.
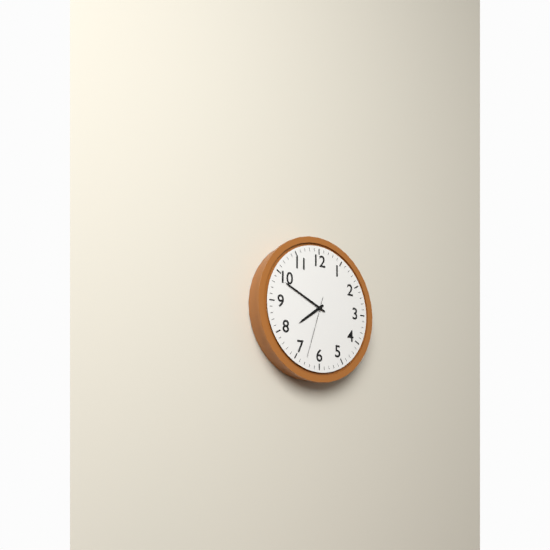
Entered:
7h49m33s
